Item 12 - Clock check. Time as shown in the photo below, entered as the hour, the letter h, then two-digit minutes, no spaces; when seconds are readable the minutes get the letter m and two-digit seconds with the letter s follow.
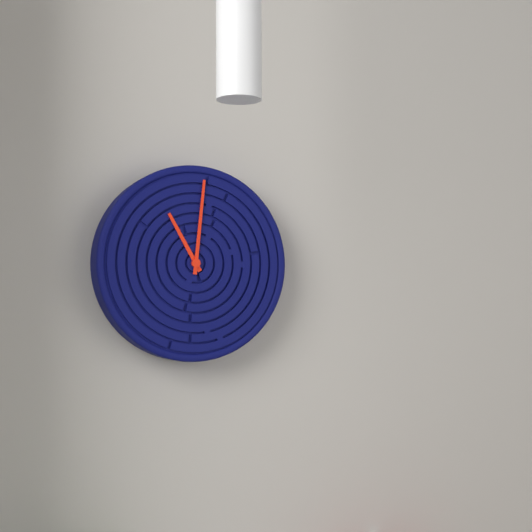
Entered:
11h01
